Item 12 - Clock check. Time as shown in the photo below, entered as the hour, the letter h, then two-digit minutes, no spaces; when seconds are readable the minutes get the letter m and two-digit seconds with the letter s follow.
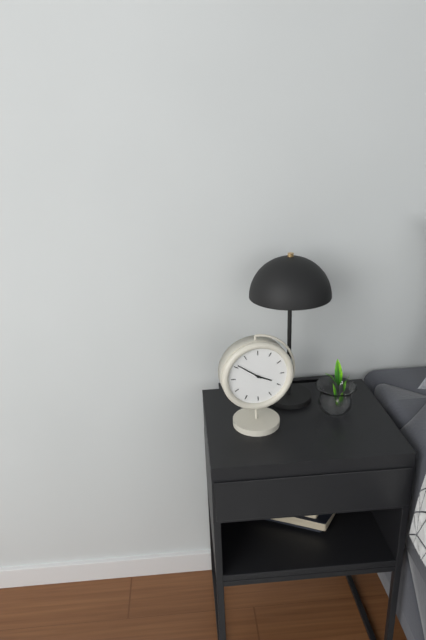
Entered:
3h51
